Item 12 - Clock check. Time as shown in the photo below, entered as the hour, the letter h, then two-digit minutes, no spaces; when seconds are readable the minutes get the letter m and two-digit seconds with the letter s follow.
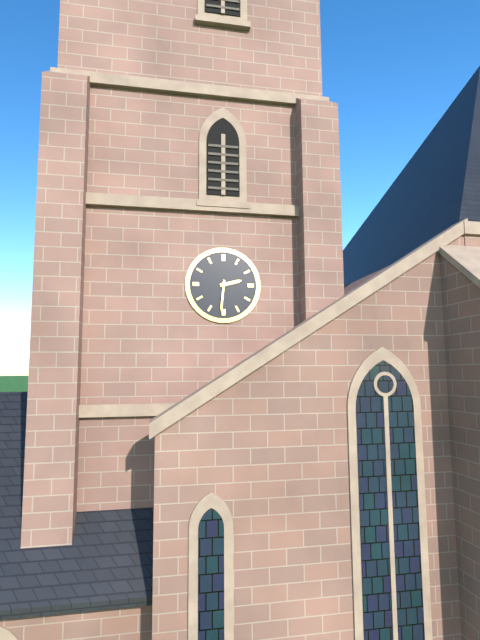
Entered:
2h31
